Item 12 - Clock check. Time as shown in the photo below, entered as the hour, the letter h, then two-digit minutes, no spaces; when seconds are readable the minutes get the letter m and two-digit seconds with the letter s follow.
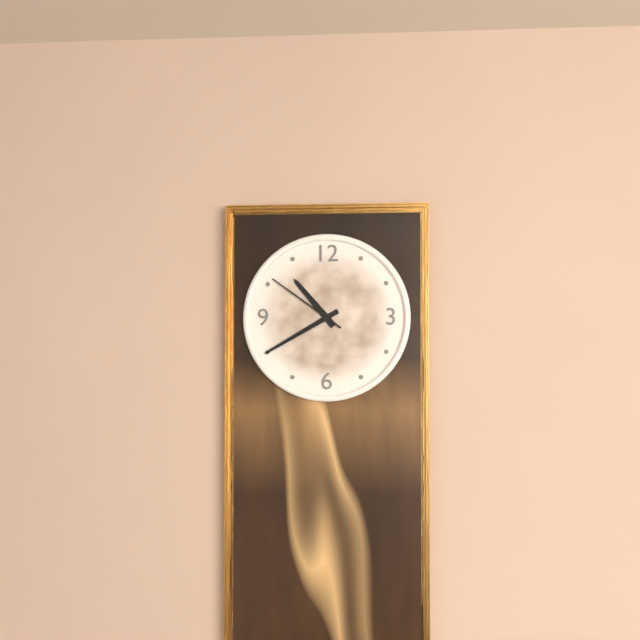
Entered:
10h40m51s
